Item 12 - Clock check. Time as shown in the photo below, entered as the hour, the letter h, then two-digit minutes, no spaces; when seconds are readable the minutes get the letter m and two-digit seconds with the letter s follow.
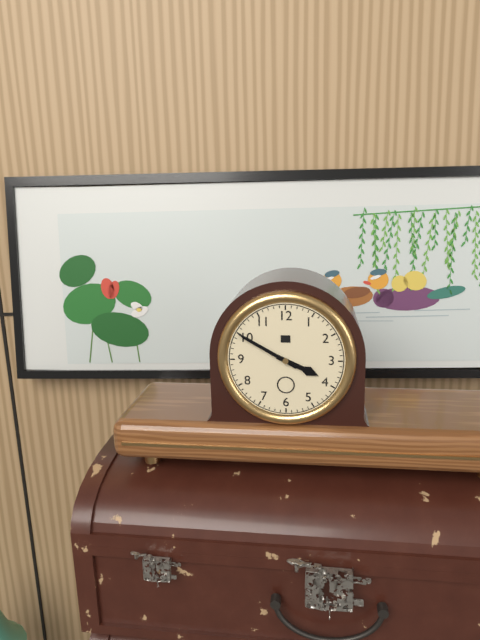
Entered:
3h50
